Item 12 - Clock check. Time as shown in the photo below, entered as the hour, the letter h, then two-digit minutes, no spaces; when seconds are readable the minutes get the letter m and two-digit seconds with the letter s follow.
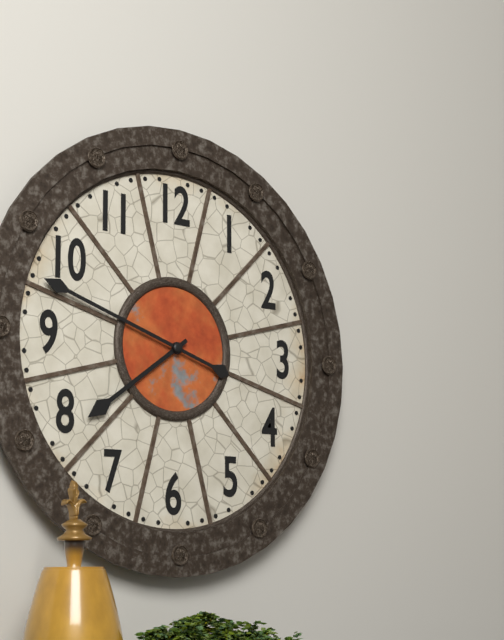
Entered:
7h48
